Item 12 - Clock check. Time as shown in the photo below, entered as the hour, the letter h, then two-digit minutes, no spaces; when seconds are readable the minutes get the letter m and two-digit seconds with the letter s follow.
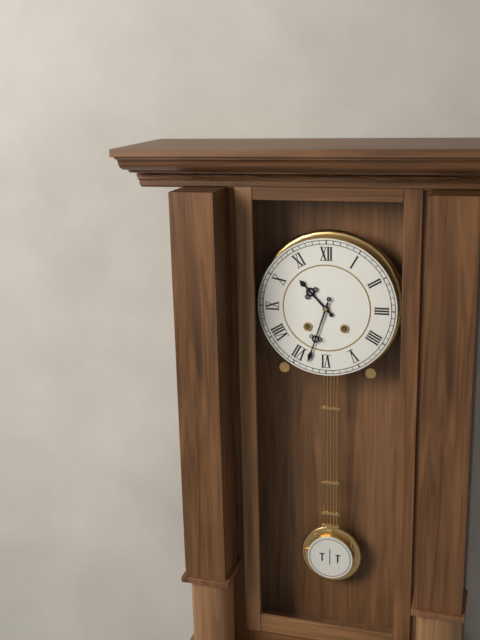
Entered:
10h33
